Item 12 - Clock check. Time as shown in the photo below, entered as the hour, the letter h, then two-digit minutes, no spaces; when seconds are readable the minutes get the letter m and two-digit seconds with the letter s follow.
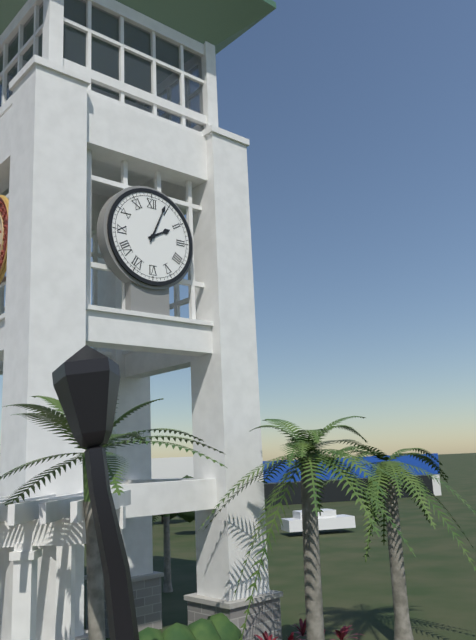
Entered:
2h04
